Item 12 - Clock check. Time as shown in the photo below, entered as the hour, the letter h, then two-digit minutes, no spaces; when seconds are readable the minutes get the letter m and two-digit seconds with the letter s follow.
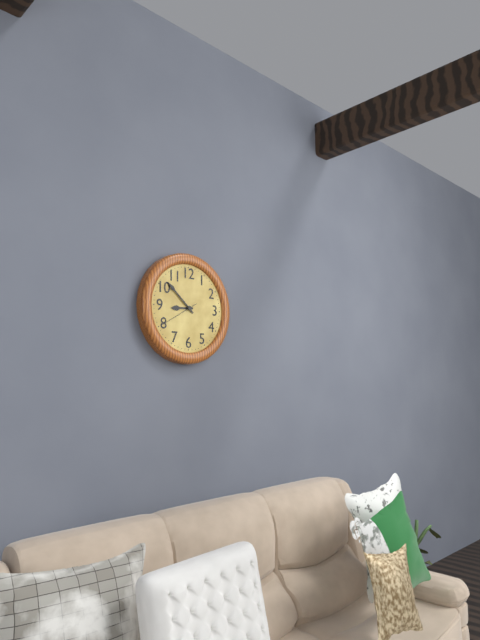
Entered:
8h52
